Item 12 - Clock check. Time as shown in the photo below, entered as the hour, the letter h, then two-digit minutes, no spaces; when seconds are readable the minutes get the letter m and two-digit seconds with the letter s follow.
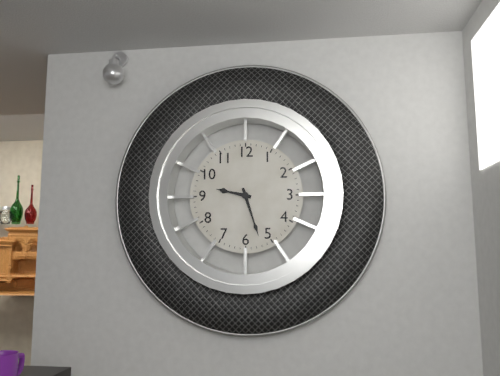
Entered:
9h27
